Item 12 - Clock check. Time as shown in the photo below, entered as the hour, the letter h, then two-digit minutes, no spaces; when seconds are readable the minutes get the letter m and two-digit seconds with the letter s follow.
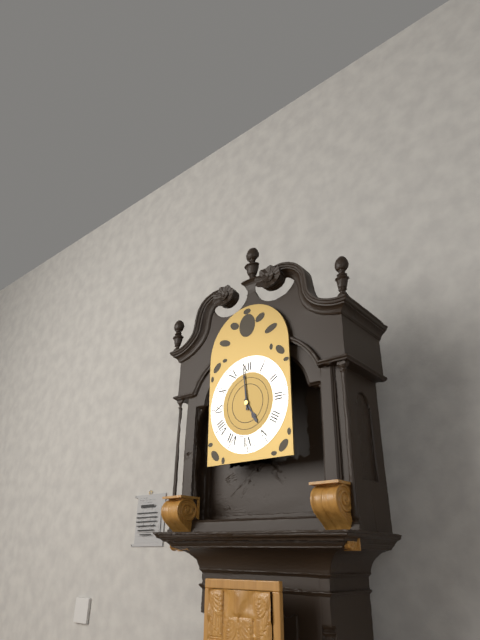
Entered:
4h59
